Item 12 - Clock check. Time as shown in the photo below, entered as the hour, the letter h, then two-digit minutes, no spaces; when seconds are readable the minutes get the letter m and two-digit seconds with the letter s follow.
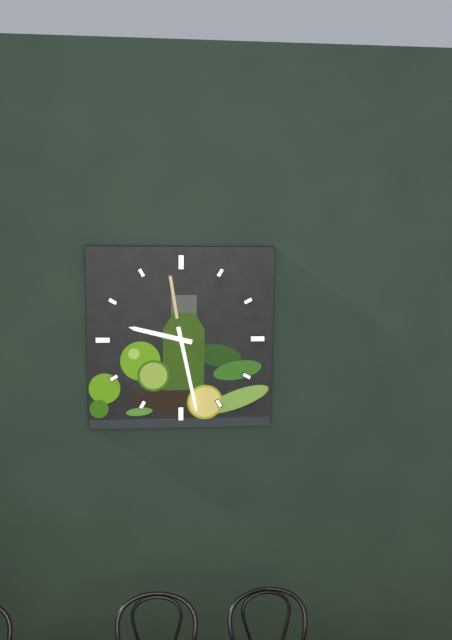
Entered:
9h28
